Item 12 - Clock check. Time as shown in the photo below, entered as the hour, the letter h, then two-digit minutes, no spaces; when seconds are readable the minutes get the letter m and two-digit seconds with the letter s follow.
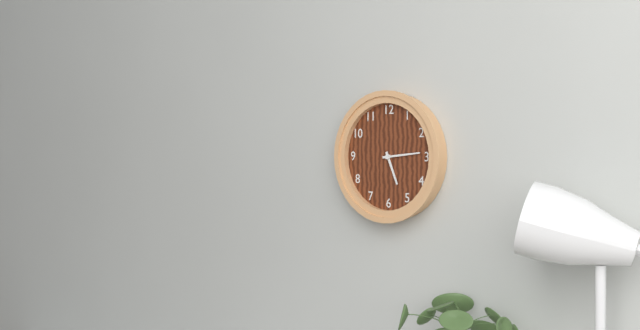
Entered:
5h14
